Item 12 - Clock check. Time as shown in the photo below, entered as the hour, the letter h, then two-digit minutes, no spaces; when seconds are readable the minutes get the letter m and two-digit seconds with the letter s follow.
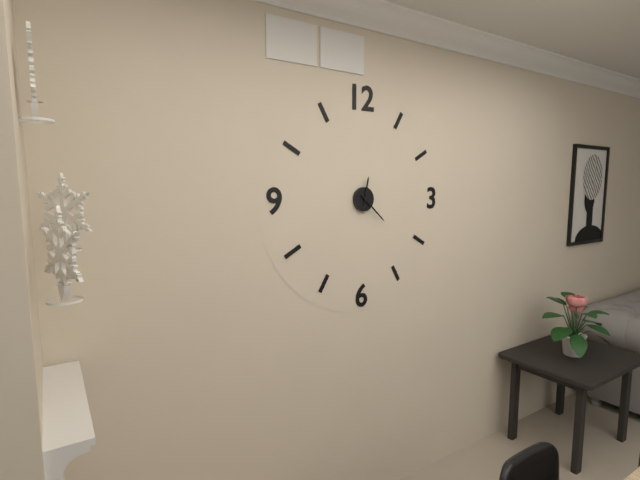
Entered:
12h22
